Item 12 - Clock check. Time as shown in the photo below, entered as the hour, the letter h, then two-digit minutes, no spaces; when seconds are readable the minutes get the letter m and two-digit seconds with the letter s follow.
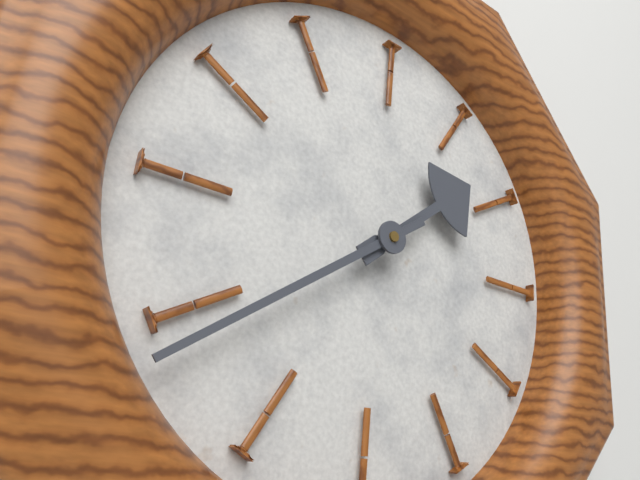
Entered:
1h39
